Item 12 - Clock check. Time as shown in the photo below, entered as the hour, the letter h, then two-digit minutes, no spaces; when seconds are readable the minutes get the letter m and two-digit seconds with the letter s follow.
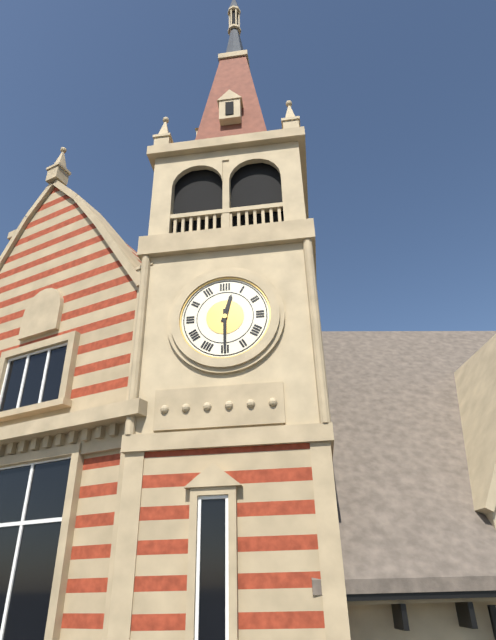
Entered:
12h30
